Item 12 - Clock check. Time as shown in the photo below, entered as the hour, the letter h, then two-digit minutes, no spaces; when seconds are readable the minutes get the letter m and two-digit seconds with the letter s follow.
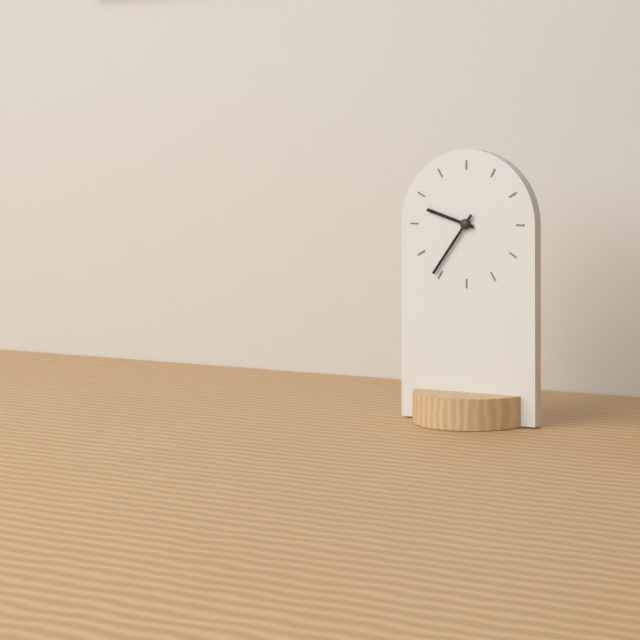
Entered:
9h36
